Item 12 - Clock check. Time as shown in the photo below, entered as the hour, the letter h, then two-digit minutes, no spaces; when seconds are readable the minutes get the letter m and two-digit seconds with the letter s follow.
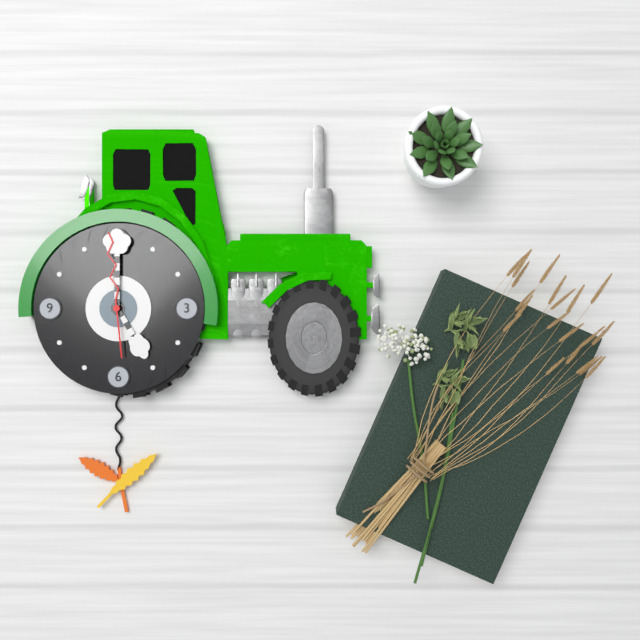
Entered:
5h00m59s
